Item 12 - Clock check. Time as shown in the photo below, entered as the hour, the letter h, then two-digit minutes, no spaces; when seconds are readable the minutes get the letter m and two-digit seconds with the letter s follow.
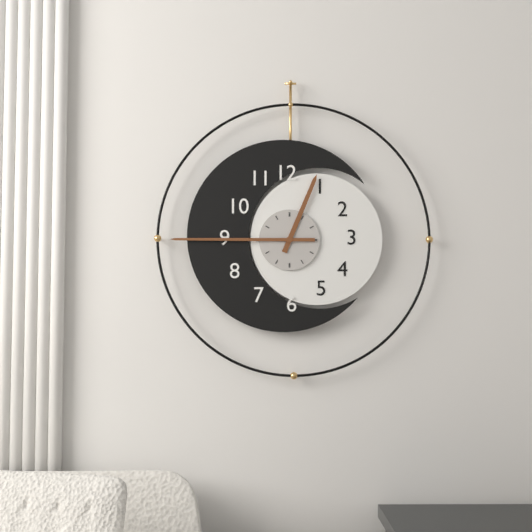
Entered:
12h45
